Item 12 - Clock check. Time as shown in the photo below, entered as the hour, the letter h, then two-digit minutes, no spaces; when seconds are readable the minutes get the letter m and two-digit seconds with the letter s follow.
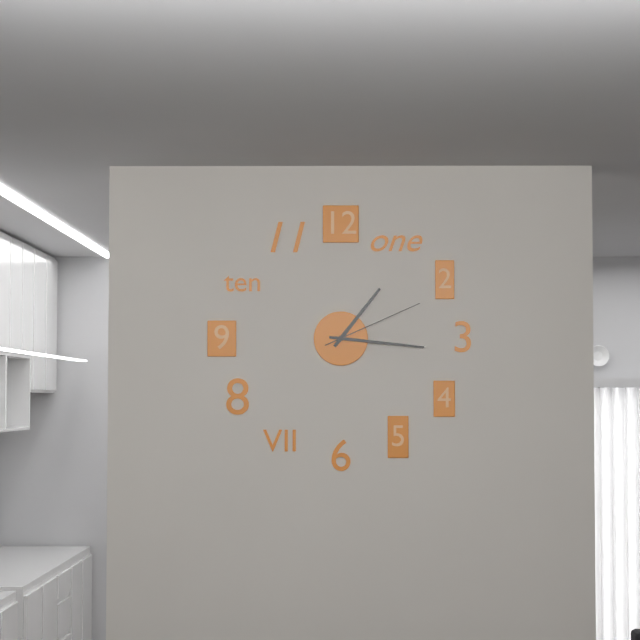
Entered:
1h16m11s
